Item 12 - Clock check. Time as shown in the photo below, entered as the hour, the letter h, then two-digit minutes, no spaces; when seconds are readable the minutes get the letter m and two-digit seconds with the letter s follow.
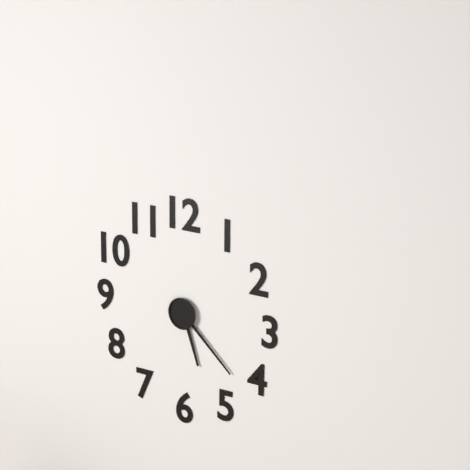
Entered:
5h22
